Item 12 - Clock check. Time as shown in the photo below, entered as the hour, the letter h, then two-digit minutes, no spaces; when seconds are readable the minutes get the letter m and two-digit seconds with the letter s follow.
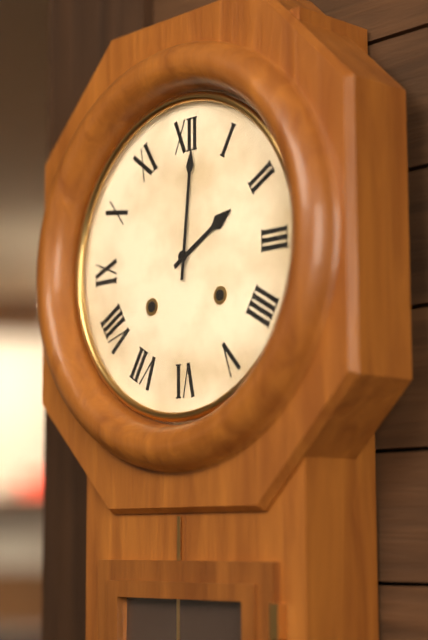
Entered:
2h01
